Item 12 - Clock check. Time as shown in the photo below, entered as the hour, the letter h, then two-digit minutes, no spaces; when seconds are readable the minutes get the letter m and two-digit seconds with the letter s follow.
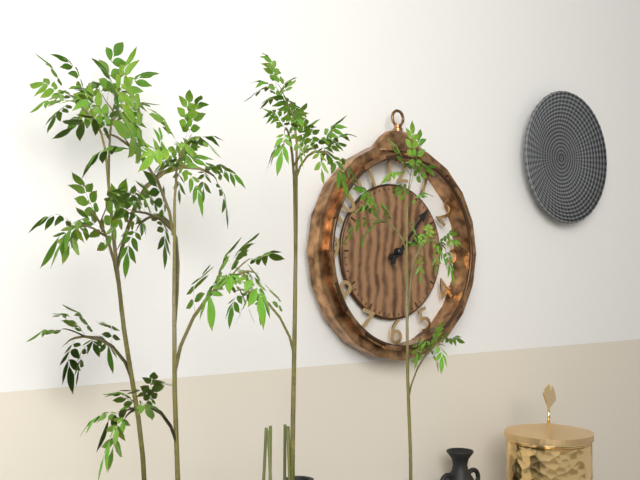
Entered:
2h07
